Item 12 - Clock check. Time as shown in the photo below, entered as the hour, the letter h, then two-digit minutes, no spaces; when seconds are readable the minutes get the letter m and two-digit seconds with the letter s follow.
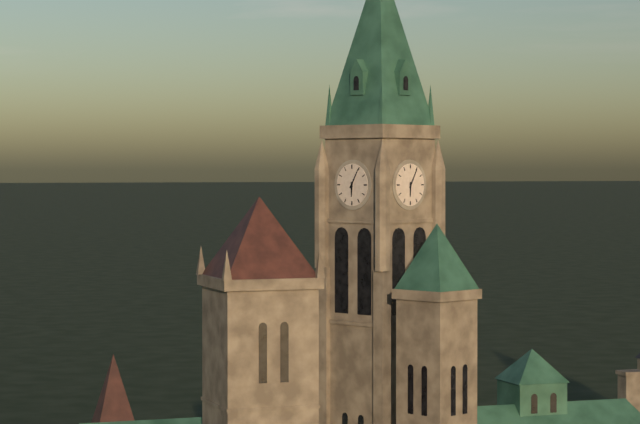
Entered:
6h05
